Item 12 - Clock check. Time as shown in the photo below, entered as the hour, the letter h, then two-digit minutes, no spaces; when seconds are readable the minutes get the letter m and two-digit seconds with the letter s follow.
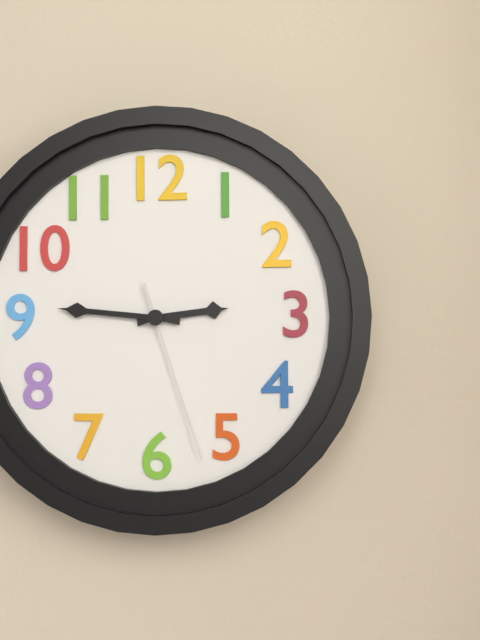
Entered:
2h46m27s
